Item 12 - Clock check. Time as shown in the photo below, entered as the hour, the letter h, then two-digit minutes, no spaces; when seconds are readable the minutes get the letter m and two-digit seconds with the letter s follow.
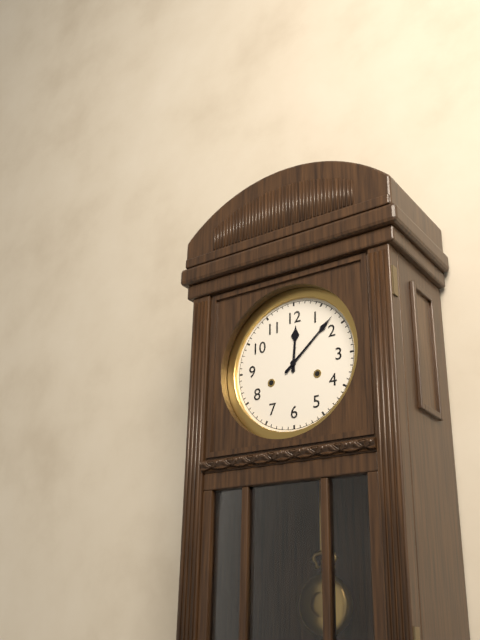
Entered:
12h08
